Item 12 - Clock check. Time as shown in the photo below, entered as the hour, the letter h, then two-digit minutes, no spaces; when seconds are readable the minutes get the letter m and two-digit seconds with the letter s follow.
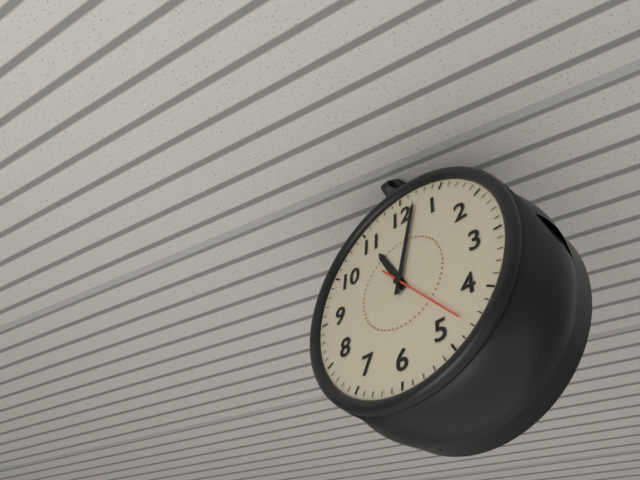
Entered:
11h02m23s
